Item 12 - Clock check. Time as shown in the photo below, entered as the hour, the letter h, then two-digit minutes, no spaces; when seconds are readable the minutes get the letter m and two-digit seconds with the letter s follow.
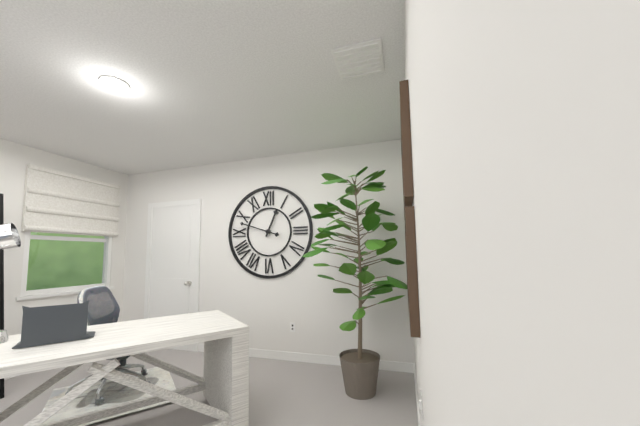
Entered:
12h48
